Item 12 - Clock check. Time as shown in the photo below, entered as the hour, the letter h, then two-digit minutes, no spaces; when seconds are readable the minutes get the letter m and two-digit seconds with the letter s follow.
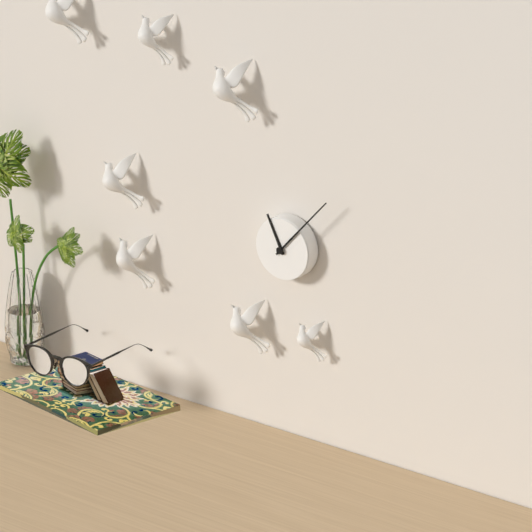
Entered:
11h07
